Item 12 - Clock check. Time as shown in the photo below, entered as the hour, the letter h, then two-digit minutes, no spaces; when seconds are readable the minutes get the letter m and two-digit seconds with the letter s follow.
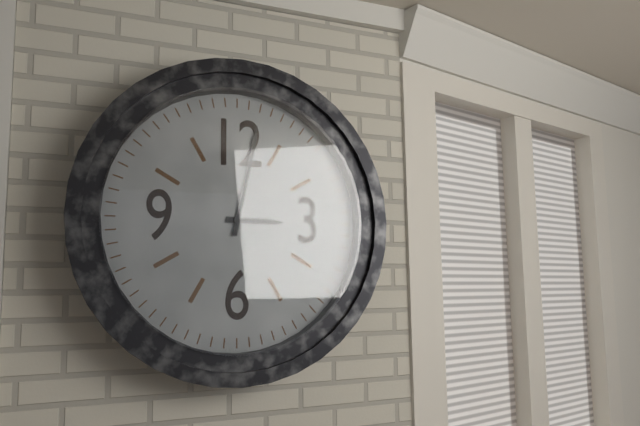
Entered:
3h02
